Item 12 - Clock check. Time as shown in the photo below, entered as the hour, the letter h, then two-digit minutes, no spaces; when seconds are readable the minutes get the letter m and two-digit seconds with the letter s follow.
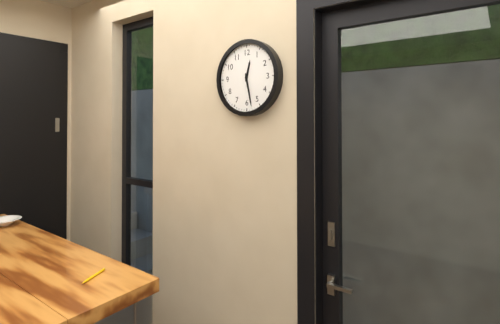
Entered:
12h28
